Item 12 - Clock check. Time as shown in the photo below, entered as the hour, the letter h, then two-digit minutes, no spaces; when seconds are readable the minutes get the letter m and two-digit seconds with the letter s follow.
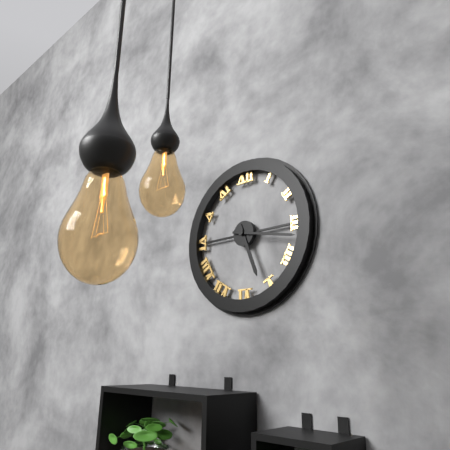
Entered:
5h17
